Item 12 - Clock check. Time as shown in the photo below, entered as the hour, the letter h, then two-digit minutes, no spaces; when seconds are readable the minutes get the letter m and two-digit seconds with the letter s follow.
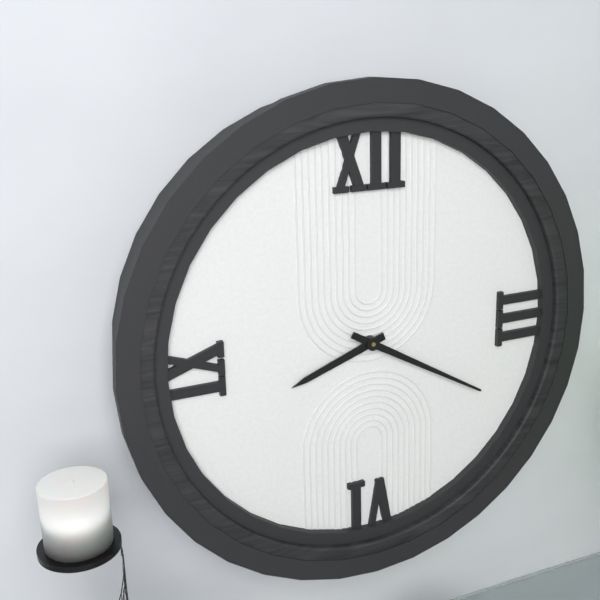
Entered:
8h20
